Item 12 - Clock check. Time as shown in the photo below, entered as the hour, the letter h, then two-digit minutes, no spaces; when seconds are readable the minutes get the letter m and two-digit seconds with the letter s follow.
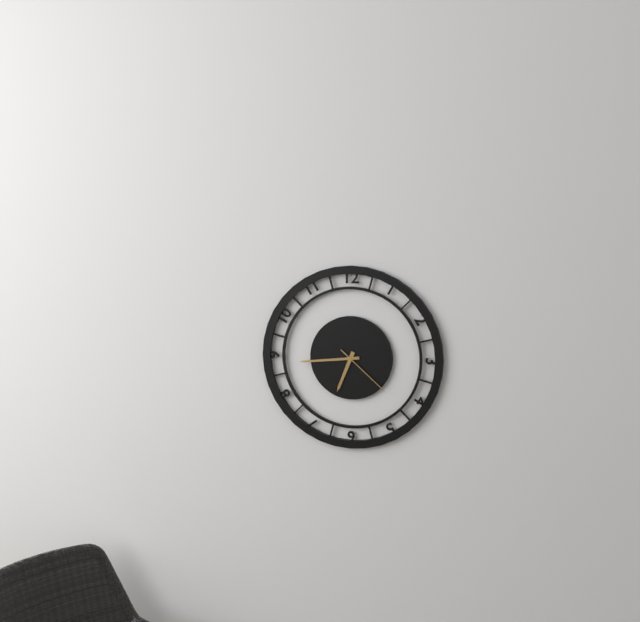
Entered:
6h44m22s
